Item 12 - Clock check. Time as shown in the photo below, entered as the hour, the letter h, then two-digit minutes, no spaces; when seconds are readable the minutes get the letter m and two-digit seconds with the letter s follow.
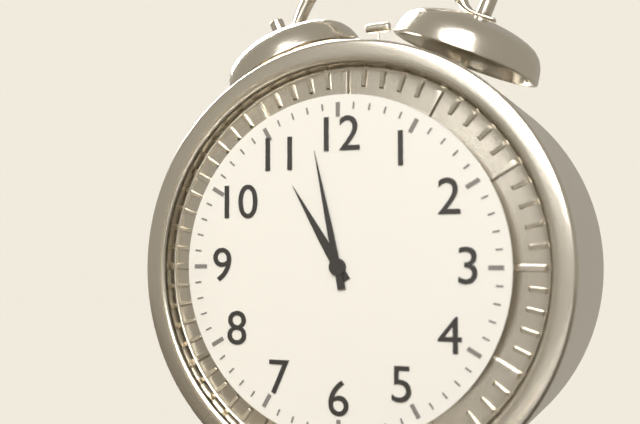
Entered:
10h58
